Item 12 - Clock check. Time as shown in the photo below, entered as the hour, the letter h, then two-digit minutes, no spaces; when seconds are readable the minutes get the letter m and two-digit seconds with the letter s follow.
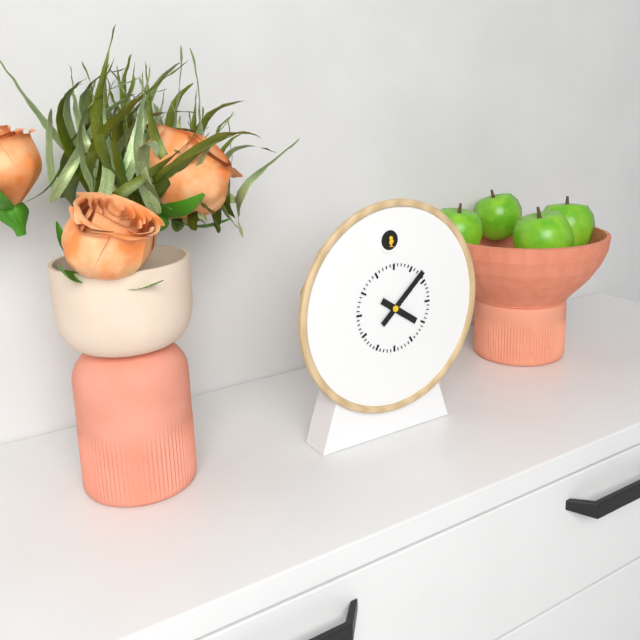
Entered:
4h08
